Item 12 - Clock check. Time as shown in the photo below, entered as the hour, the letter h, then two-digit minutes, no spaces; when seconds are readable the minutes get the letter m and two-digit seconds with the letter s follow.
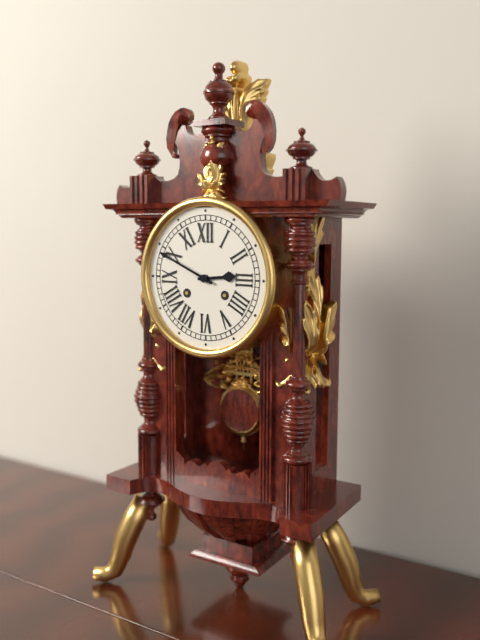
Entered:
2h49
